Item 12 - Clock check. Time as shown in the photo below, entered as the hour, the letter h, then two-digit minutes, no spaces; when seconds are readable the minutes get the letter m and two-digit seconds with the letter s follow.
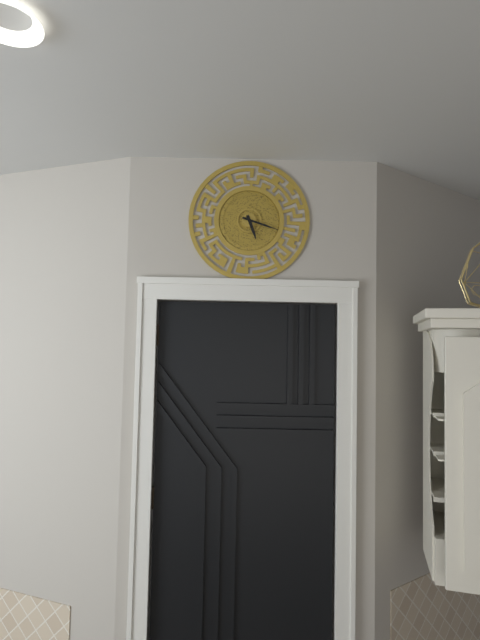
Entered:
5h18
